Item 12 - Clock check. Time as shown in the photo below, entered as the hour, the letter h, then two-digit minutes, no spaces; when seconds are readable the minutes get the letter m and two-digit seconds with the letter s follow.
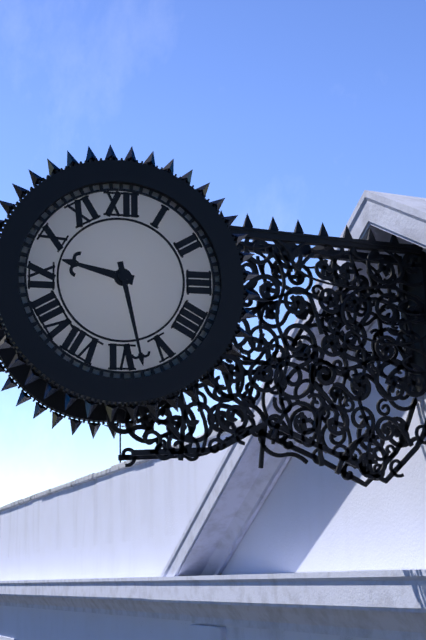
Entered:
9h28
